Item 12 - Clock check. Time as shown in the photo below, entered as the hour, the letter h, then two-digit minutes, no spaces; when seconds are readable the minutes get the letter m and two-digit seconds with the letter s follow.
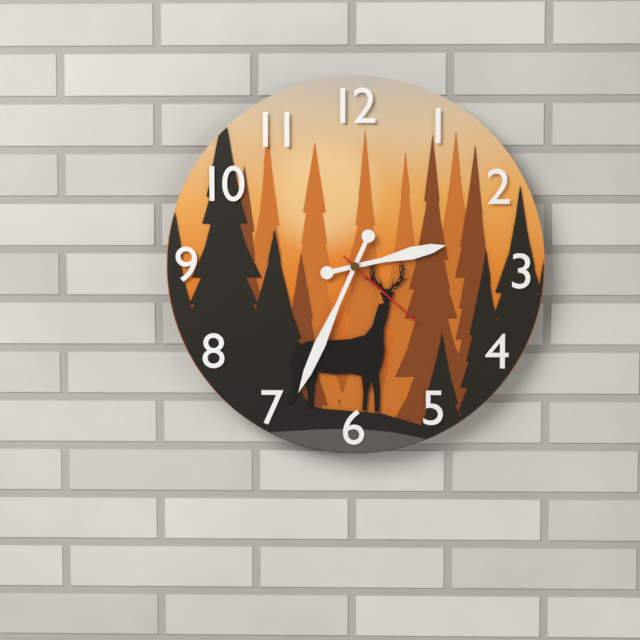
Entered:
2h34m22s
